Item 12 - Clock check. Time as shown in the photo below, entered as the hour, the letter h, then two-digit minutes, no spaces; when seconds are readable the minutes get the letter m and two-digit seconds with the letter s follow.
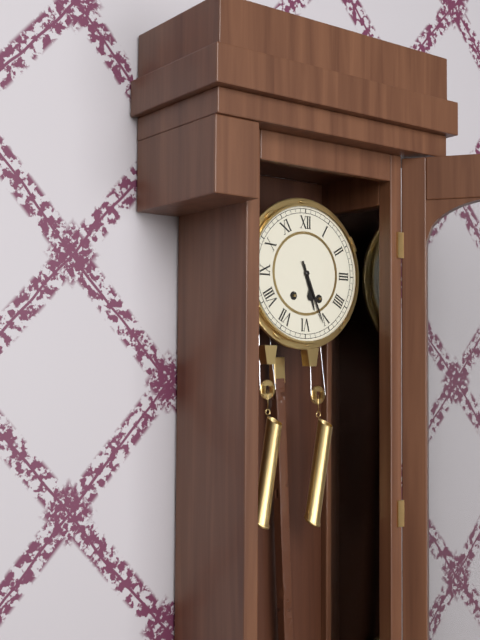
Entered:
5h26
